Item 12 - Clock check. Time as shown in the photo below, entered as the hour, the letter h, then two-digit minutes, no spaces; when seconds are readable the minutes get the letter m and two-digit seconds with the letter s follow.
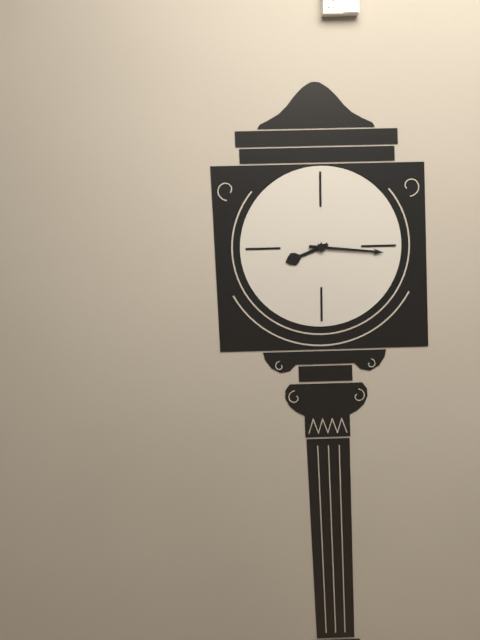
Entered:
8h16
